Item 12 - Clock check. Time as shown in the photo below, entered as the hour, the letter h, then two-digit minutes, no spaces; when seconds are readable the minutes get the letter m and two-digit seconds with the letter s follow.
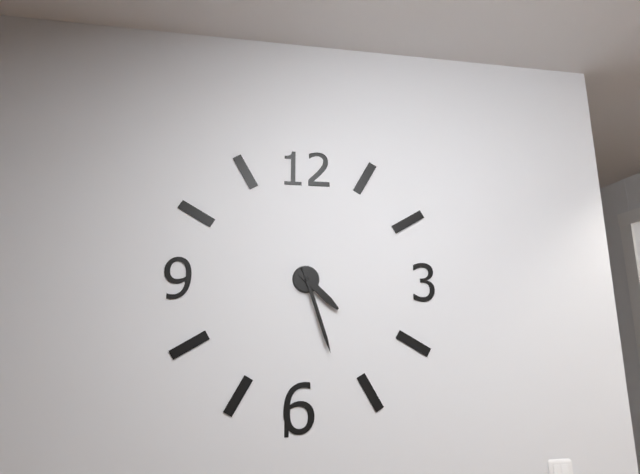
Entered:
4h27
